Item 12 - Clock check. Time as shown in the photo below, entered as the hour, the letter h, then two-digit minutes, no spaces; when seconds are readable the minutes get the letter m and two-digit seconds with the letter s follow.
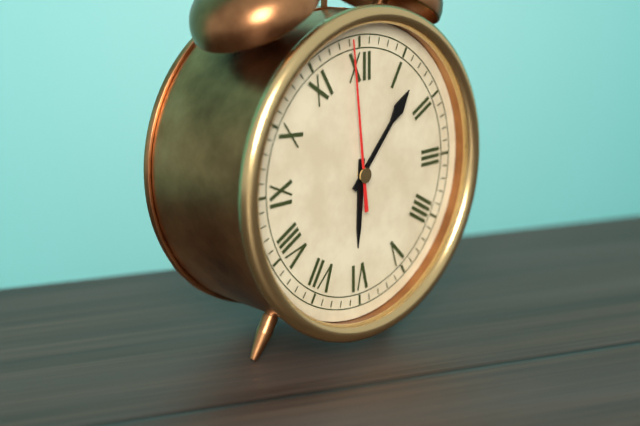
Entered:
6h07m59s
